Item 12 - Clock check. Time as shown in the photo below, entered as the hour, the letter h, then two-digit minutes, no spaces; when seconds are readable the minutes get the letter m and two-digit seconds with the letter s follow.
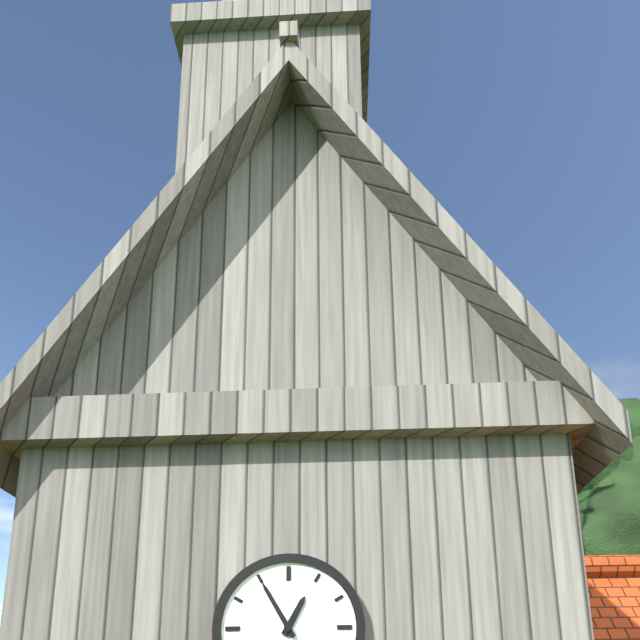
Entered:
12h55
